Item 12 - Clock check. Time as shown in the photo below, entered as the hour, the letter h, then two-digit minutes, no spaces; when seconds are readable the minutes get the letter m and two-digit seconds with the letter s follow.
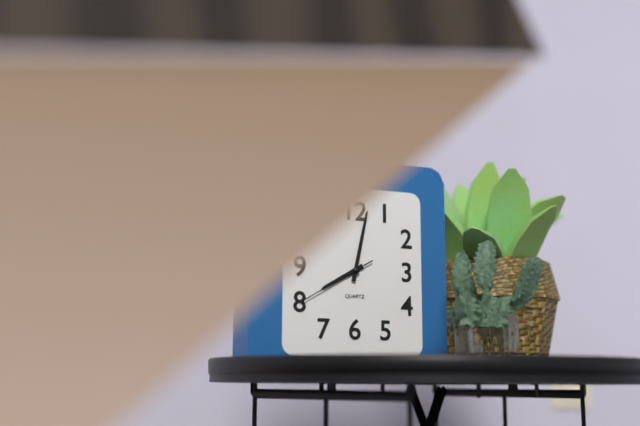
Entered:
8h02m40s
